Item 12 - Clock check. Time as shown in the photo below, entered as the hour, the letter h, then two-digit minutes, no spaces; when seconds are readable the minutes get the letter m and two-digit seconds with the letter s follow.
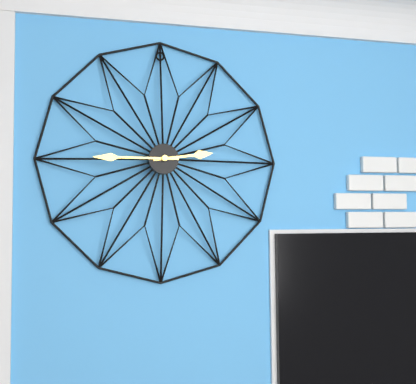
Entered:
2h45
